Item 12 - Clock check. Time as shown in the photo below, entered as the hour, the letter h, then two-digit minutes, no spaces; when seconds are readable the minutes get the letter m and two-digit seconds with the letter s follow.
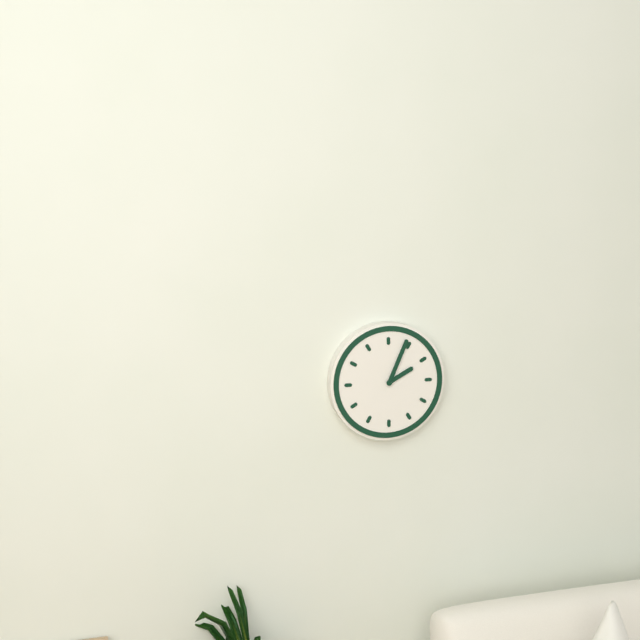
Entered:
2h04
